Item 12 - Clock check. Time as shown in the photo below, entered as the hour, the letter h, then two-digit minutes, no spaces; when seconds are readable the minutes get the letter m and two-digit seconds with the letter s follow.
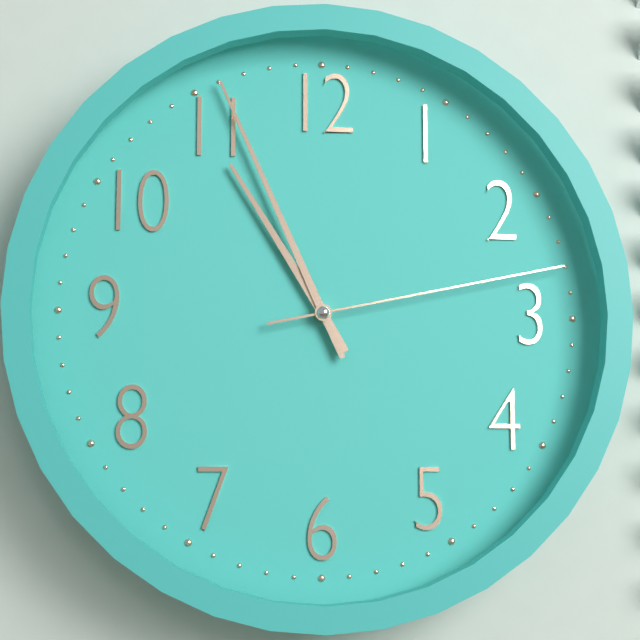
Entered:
10h56m13s
